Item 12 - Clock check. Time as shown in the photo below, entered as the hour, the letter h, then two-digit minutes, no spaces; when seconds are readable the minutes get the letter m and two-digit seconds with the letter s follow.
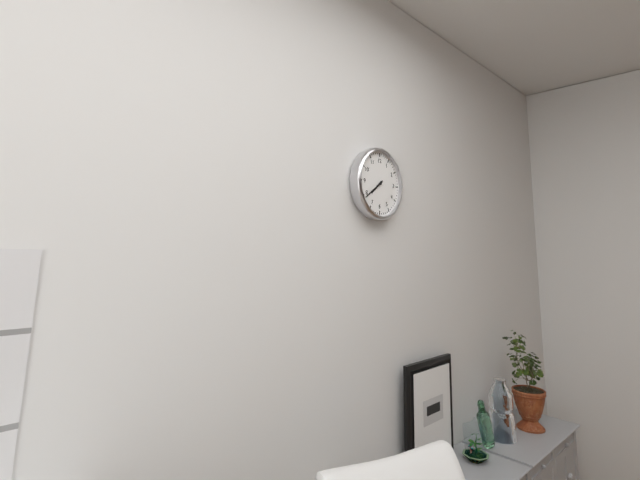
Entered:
7h39
